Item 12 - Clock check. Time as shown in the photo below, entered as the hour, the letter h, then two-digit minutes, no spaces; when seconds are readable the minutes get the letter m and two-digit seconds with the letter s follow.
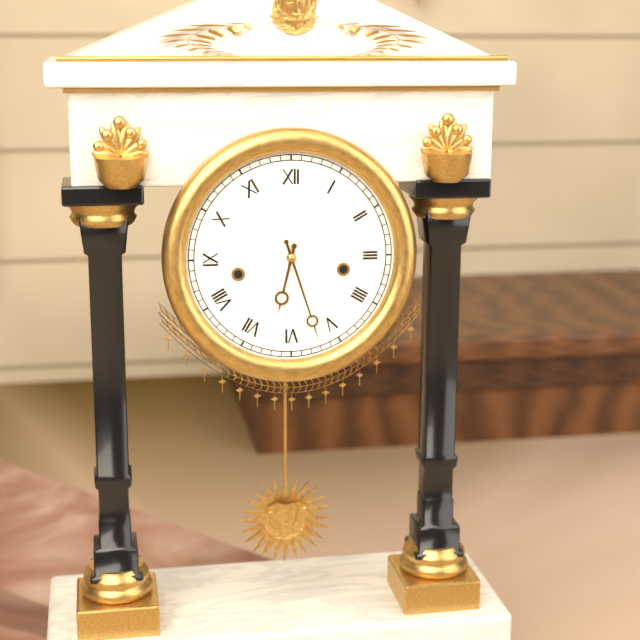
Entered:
6h27
